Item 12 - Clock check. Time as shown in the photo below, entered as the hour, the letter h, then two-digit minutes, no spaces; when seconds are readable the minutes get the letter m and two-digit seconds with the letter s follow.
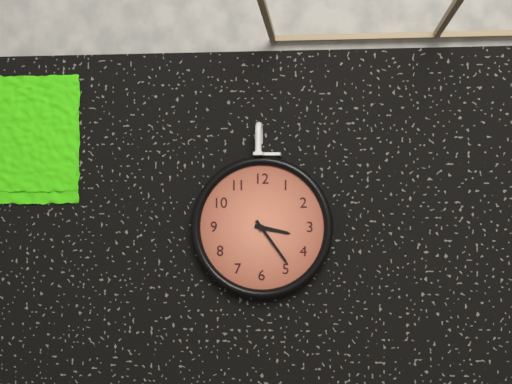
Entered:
3h24
